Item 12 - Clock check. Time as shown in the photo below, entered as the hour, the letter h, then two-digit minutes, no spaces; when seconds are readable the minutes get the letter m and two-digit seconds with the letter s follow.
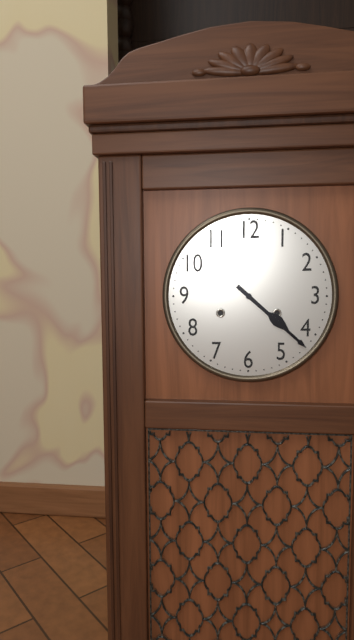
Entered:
4h22
